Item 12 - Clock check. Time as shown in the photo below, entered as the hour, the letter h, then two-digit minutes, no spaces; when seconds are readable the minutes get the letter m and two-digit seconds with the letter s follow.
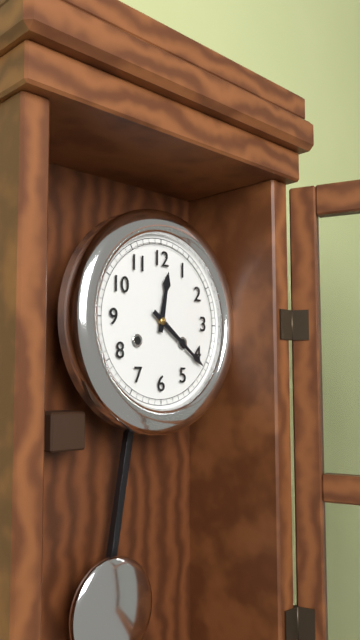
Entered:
12h21
